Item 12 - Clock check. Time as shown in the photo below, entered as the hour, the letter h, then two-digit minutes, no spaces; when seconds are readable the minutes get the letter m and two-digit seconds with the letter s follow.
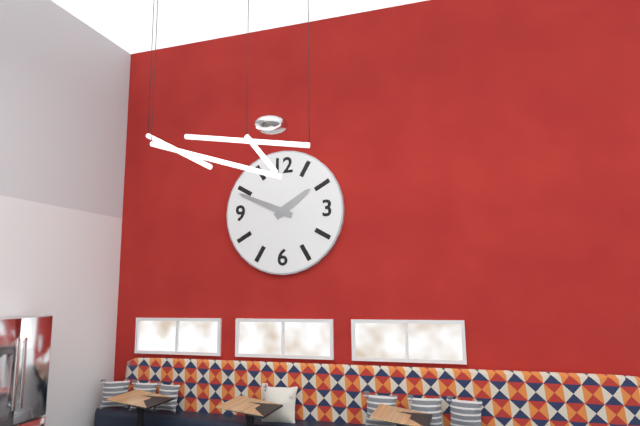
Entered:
1h49
